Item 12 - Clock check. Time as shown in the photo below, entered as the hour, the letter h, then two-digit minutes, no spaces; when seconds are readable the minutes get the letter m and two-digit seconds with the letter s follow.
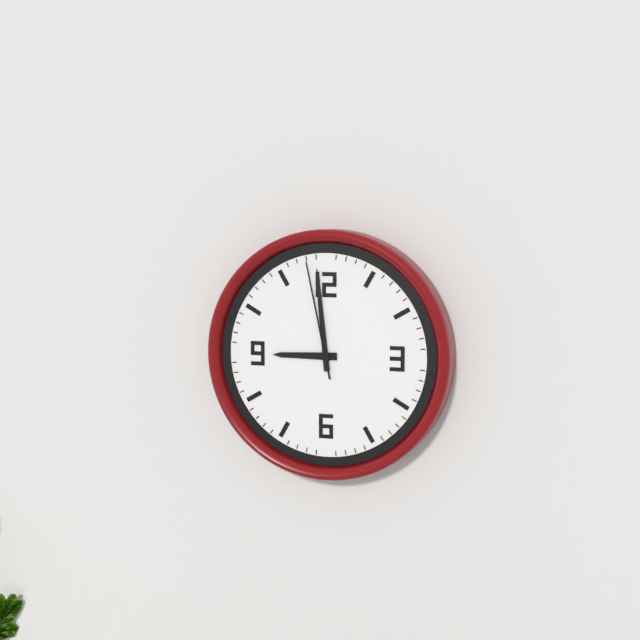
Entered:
8h59m58s
